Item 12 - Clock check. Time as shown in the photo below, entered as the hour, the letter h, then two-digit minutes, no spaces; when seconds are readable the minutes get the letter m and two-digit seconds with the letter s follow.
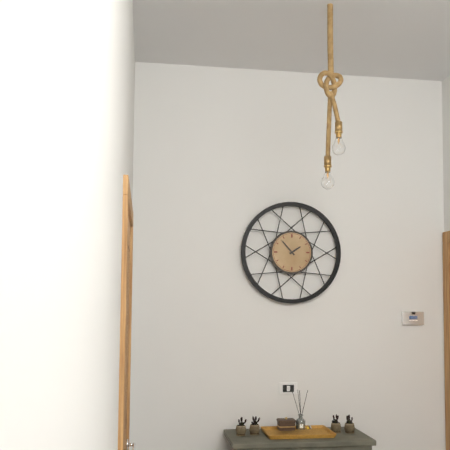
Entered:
1h53
